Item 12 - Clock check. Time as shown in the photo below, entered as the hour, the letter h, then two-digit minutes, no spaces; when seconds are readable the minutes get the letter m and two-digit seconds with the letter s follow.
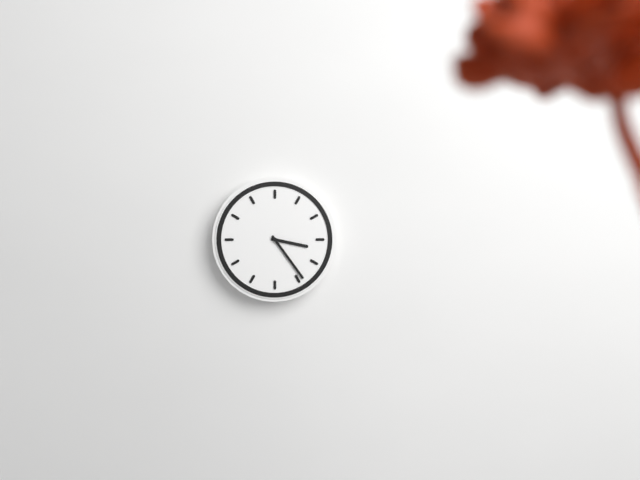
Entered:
3h24
